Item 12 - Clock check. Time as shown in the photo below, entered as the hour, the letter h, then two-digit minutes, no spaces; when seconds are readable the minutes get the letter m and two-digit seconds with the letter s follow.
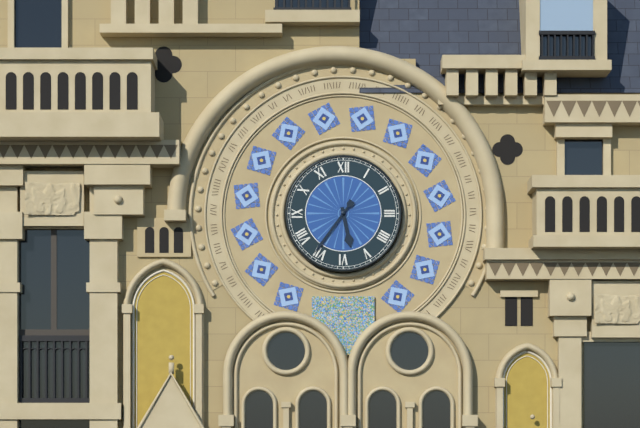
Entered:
5h36
